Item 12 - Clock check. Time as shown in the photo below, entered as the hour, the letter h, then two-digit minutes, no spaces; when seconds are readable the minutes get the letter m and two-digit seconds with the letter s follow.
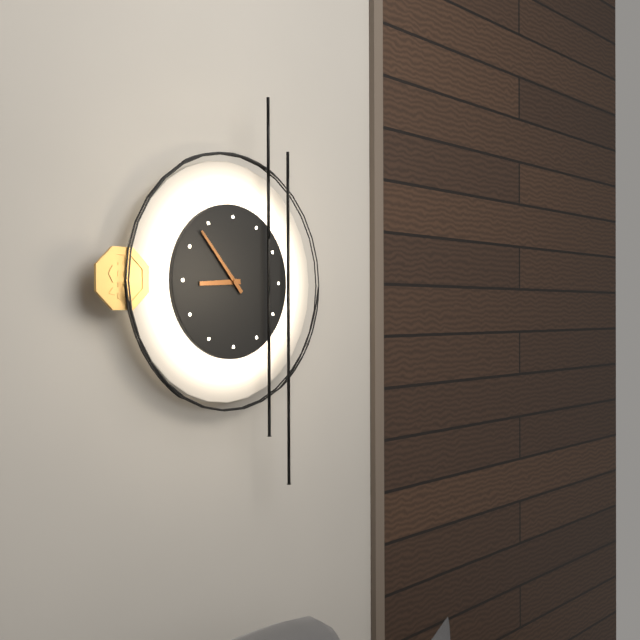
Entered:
8h53
